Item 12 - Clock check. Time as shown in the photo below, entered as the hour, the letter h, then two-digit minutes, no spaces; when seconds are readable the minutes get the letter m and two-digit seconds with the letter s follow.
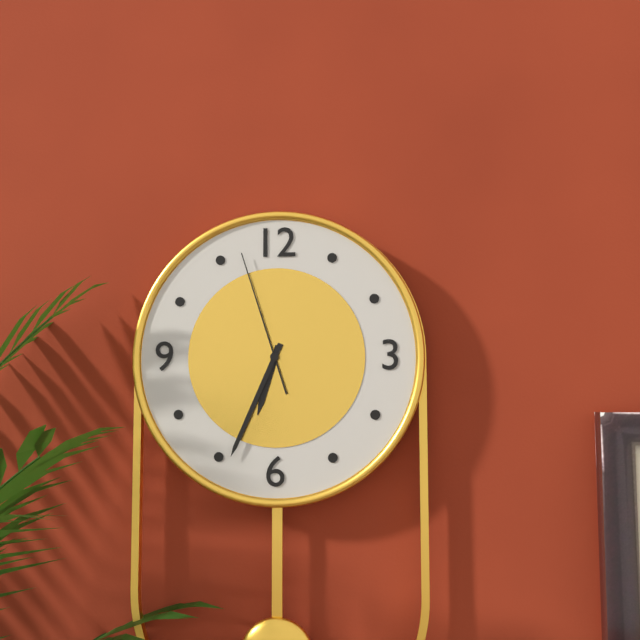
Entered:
6h34m57s
